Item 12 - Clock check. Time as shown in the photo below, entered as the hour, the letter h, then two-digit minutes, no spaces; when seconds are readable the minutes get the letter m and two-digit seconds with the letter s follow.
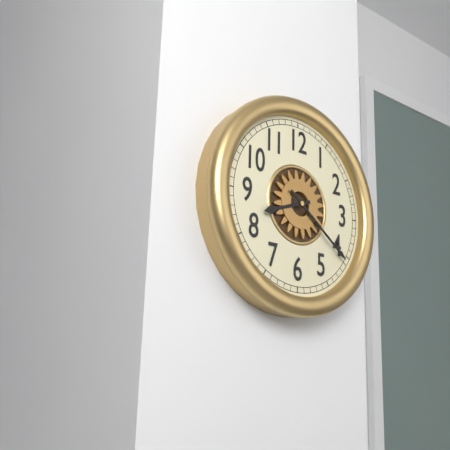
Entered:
8h21
